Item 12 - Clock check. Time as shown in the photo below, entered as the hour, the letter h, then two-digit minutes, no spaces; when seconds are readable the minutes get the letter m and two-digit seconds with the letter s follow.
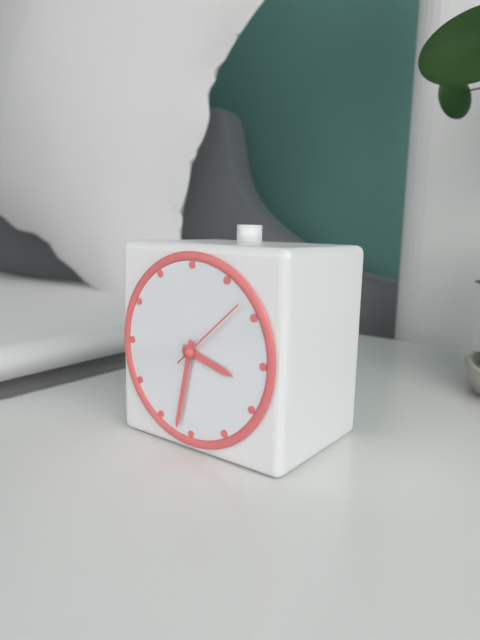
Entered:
3h32m08s
